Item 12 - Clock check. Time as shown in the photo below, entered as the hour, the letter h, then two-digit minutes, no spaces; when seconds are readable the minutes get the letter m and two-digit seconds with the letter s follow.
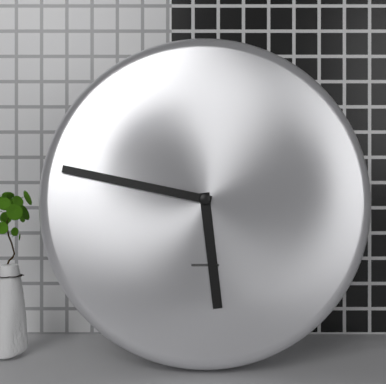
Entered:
5h47
